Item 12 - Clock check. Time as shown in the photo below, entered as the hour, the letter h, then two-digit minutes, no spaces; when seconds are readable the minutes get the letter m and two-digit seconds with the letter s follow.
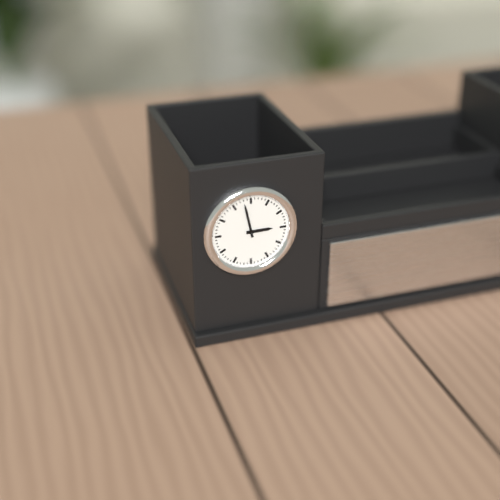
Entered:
2h58
